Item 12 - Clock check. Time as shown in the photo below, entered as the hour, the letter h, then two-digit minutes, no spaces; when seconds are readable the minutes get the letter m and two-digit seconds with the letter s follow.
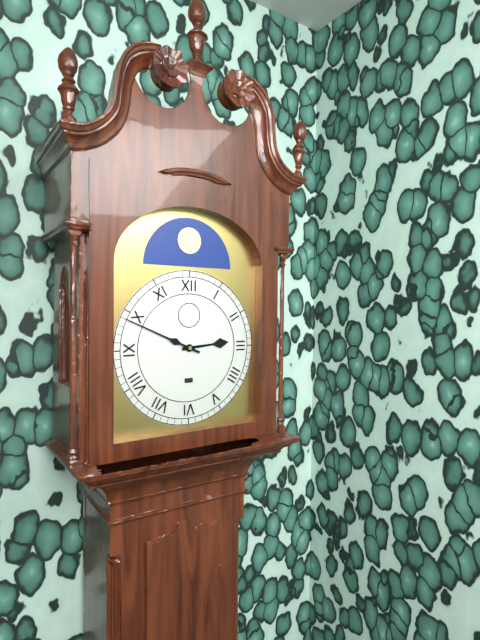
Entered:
2h49
